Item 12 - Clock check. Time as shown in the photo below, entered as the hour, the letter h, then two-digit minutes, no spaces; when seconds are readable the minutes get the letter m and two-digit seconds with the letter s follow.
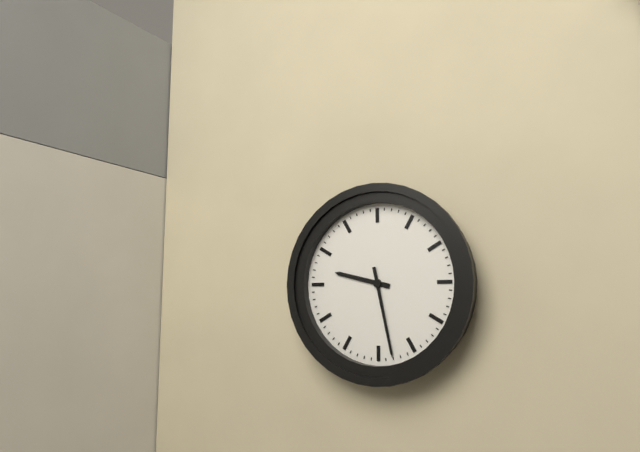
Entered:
9h28
